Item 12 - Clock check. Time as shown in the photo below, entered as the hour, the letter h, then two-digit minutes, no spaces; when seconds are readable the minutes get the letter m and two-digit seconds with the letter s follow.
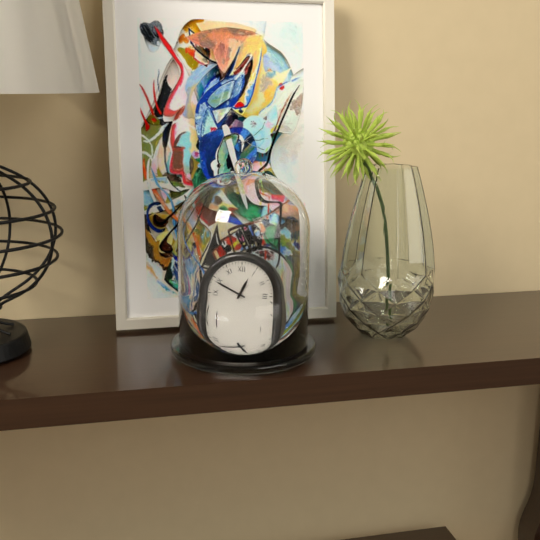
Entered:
12h49
